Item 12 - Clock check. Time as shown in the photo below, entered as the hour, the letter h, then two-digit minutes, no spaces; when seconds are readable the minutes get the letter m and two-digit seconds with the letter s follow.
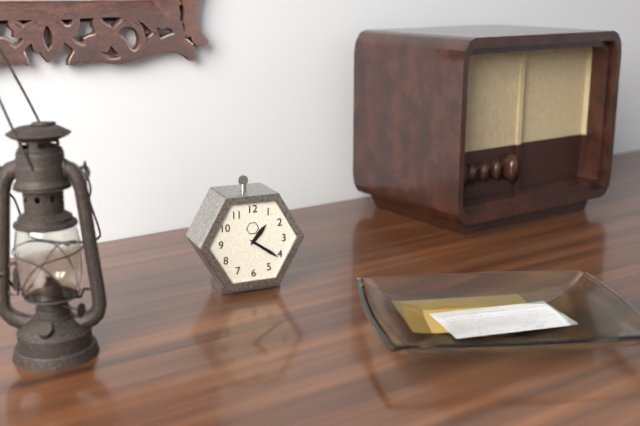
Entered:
1h21
